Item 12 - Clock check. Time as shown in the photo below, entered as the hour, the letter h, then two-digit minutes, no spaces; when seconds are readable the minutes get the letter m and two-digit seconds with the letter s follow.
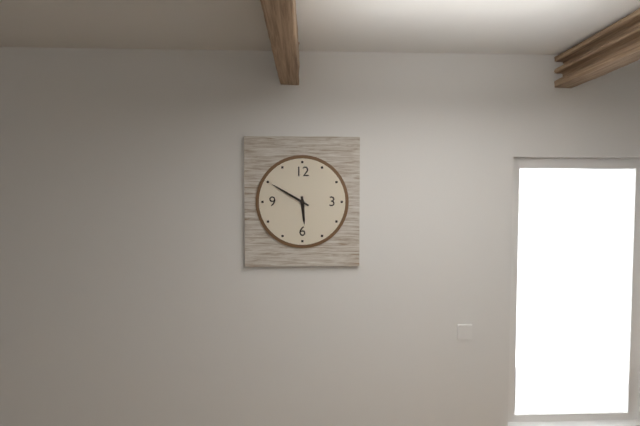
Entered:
5h50
